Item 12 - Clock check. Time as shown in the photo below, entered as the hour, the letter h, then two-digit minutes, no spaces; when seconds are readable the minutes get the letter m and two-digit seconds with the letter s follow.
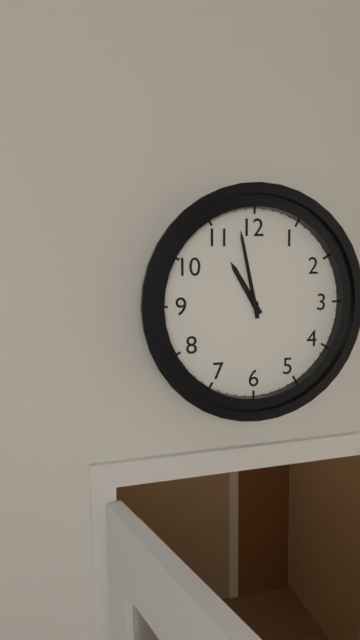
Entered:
10h58
